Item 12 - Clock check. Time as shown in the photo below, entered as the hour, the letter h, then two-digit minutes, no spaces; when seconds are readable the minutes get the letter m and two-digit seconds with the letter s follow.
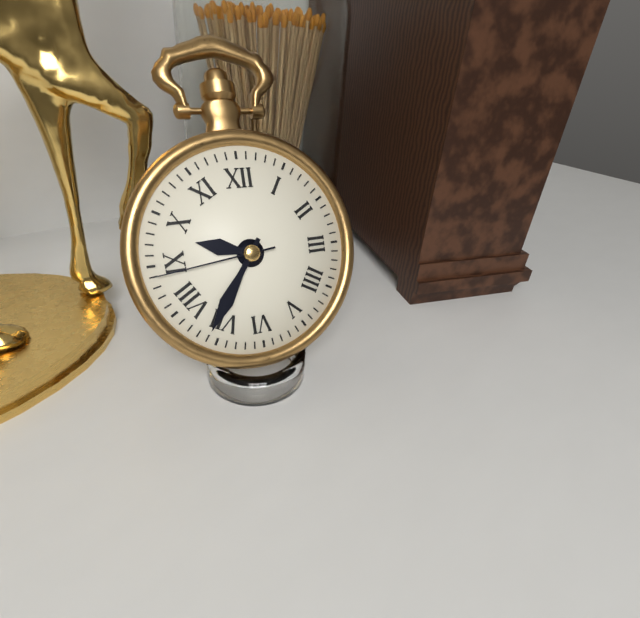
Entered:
9h36m44s
